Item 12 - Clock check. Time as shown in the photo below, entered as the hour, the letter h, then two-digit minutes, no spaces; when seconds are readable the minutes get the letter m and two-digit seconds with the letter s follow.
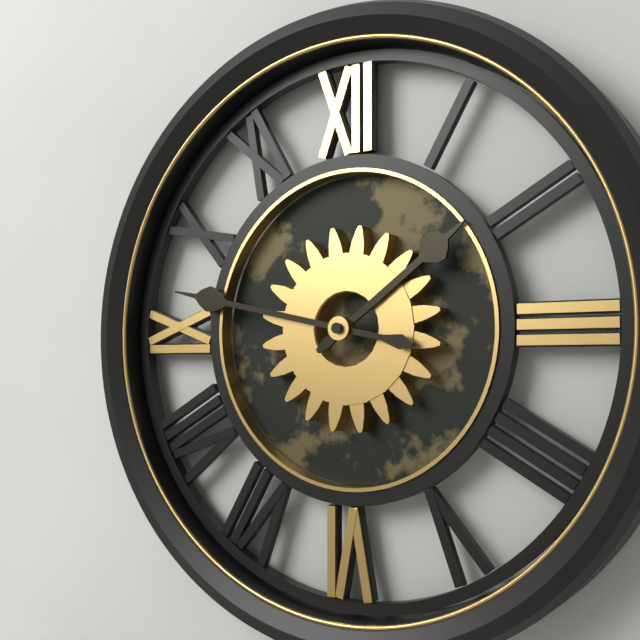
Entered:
1h47
